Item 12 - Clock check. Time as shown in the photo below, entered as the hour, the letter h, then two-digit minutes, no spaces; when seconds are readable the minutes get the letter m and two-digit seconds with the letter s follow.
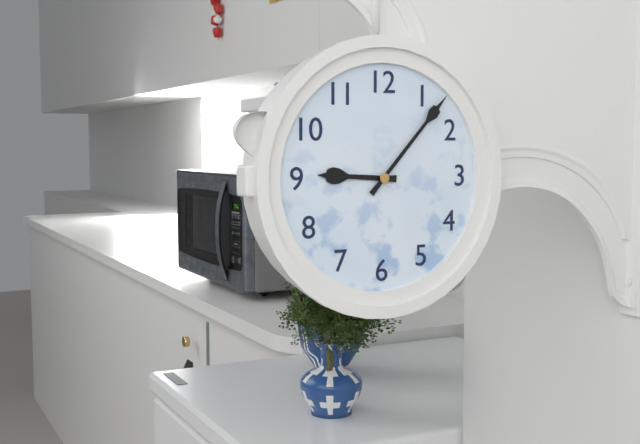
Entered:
9h07
